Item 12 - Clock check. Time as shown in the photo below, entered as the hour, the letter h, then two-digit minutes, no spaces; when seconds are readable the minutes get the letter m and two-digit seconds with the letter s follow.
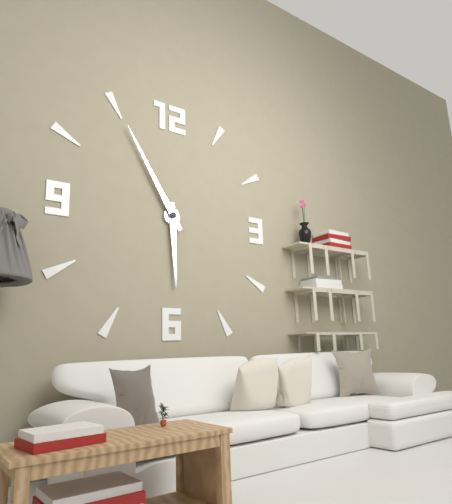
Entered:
5h55
